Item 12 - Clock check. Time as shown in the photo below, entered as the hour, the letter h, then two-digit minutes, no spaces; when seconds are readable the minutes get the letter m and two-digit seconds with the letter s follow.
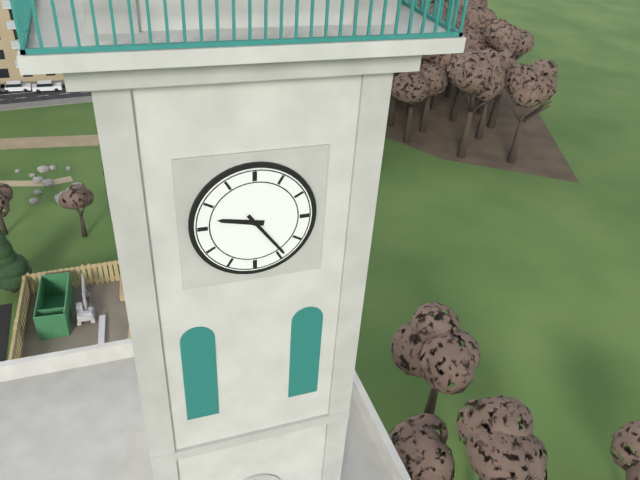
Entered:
9h24
